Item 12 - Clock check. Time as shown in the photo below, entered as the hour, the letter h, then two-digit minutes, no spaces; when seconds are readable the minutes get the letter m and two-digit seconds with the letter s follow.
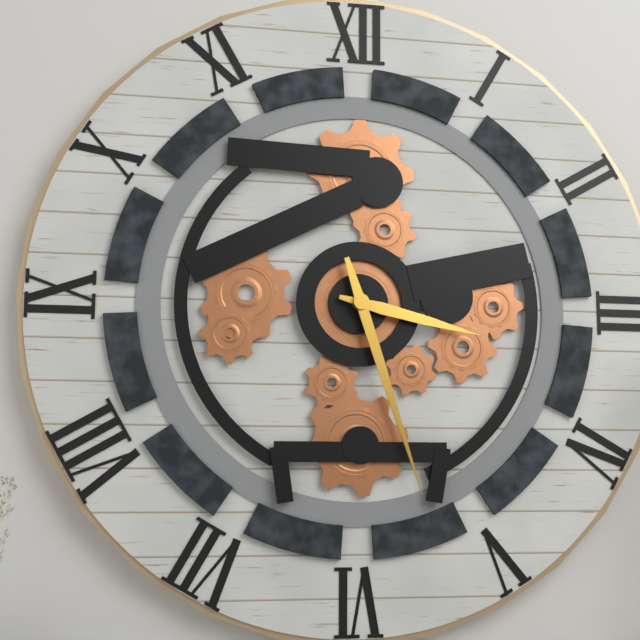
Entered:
3h27
